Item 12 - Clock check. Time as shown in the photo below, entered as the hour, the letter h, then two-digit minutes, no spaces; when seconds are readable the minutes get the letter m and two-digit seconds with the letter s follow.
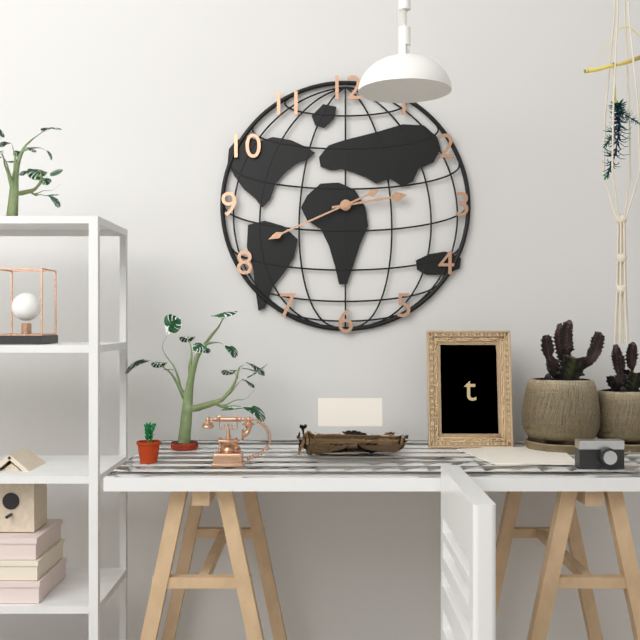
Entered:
2h41
